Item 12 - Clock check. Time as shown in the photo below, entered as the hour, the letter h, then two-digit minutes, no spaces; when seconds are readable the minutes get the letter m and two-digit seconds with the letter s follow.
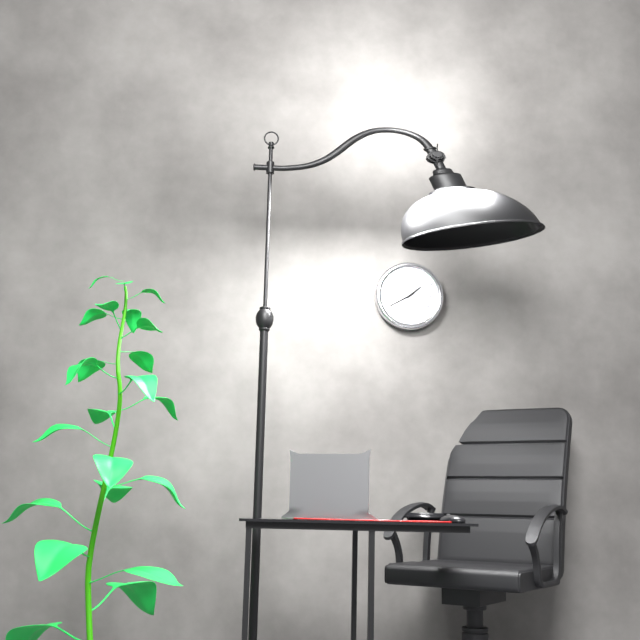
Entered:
1h40
